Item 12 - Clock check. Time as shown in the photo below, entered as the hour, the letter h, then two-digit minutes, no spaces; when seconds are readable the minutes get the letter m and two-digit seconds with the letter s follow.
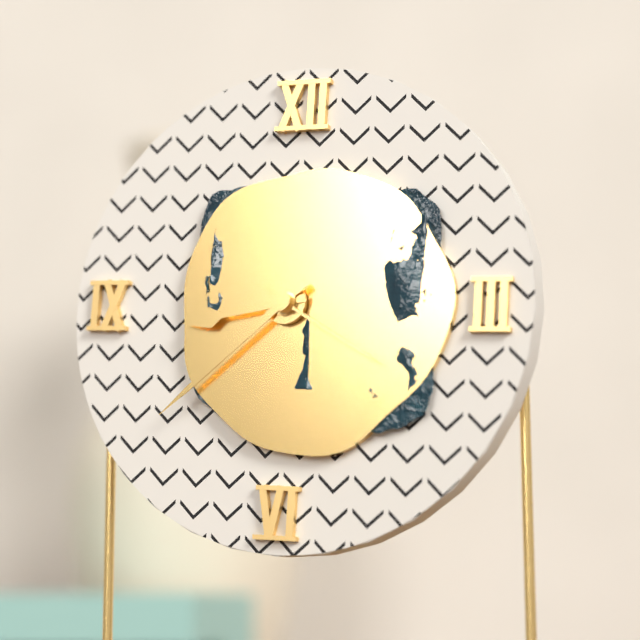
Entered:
8h38m20s
